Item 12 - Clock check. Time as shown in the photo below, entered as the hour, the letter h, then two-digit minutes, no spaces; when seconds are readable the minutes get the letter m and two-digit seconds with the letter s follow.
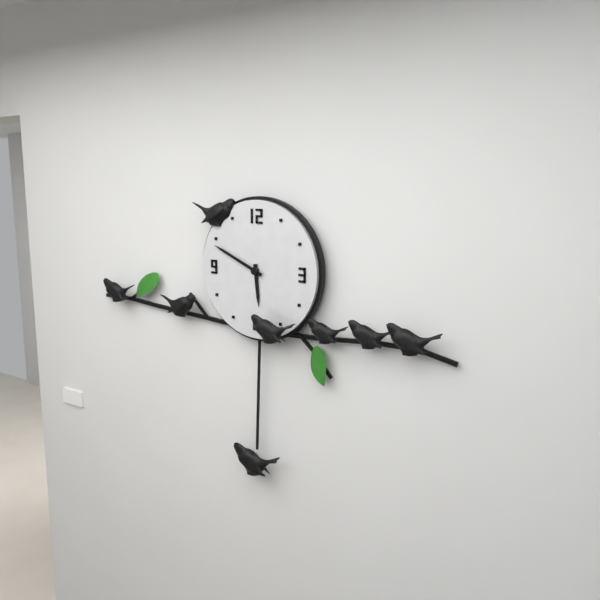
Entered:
5h49
